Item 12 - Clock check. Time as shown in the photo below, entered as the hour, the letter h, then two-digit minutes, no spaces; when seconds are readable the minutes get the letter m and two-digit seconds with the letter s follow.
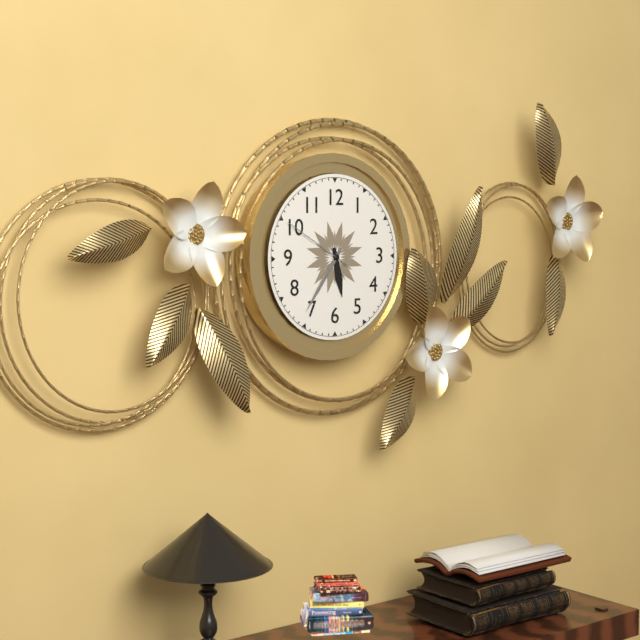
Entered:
5h36m50s
